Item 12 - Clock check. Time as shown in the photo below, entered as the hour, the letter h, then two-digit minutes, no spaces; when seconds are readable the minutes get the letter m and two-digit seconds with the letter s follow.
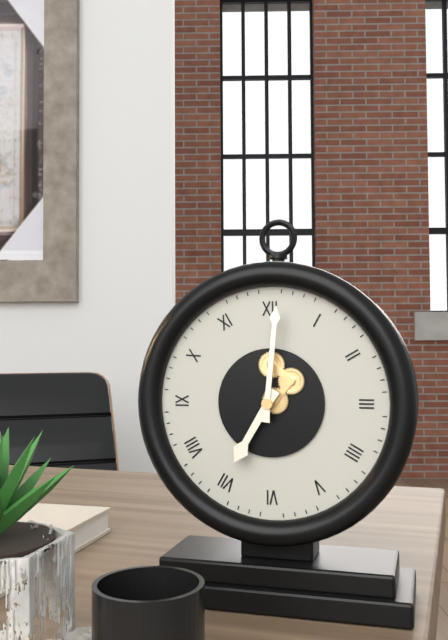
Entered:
7h01
